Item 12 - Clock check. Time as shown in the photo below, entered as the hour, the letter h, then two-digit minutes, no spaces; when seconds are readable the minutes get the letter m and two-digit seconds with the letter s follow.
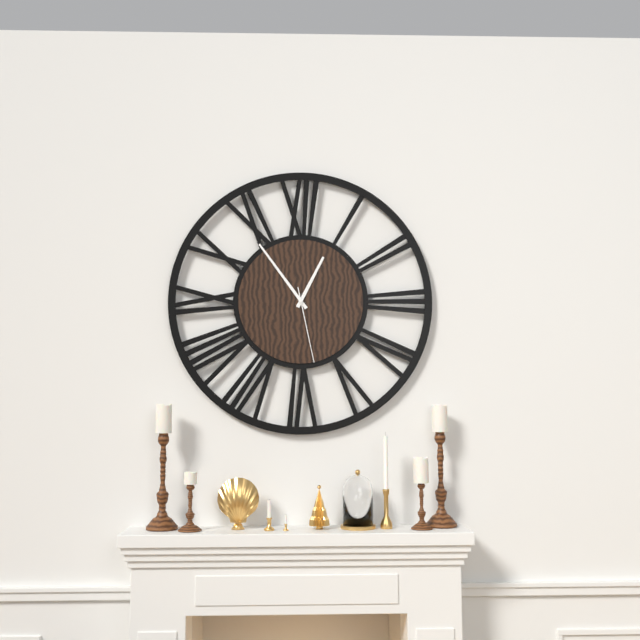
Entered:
12h54m28s
